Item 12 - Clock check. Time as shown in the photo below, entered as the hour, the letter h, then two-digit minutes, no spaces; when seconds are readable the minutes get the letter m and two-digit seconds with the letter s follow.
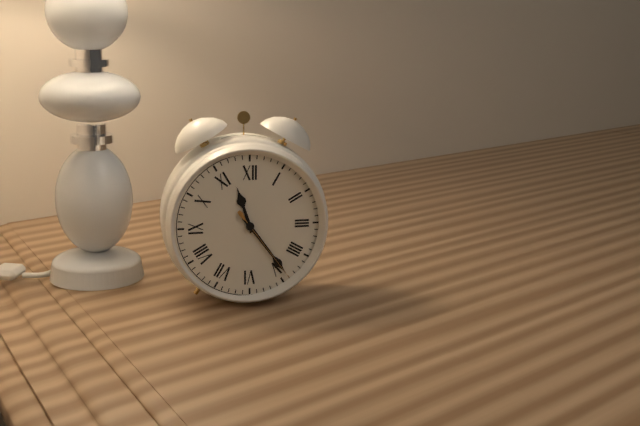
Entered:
11h24m24s
